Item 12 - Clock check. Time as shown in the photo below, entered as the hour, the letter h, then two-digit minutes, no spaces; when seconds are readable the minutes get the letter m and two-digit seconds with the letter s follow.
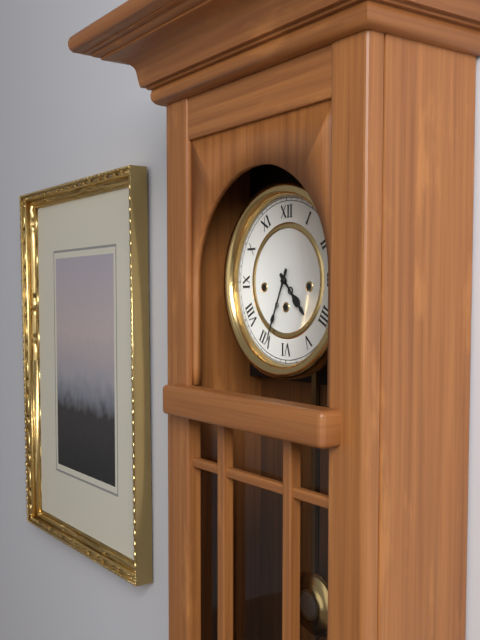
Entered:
4h34
